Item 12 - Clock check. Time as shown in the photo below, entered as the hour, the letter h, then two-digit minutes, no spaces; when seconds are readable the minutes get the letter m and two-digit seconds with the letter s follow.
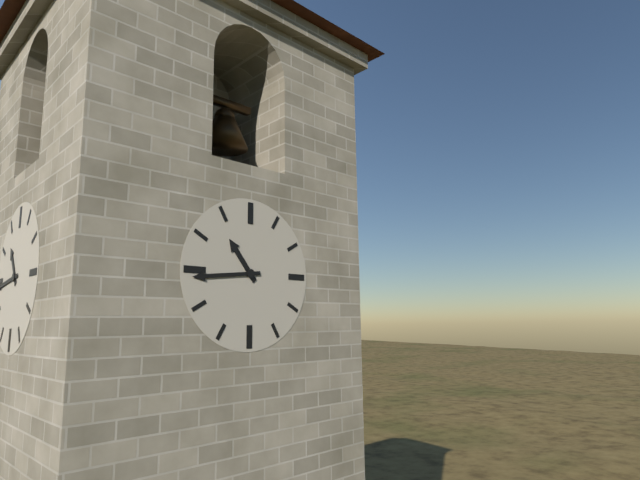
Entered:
10h44
